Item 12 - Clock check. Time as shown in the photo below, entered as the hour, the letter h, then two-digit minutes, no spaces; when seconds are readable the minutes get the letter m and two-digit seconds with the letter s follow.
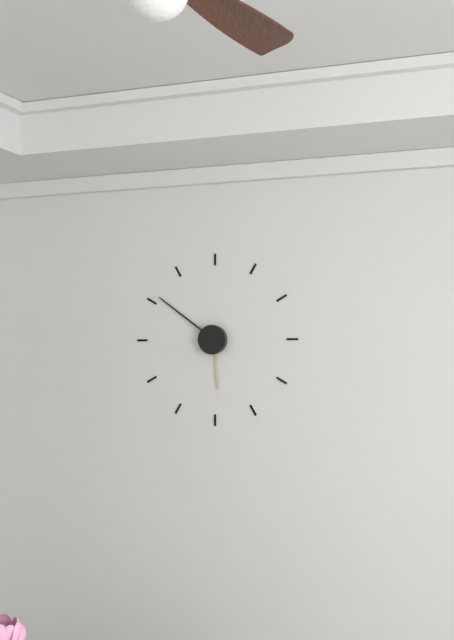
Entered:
5h51
